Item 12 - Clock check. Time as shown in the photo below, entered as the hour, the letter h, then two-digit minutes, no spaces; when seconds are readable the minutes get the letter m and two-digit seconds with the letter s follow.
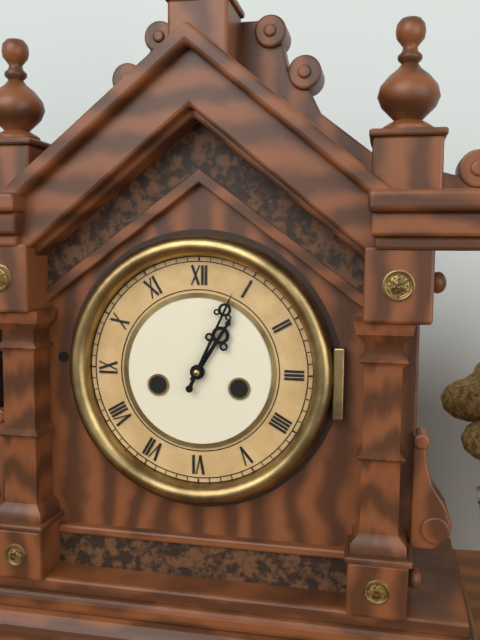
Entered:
1h04
